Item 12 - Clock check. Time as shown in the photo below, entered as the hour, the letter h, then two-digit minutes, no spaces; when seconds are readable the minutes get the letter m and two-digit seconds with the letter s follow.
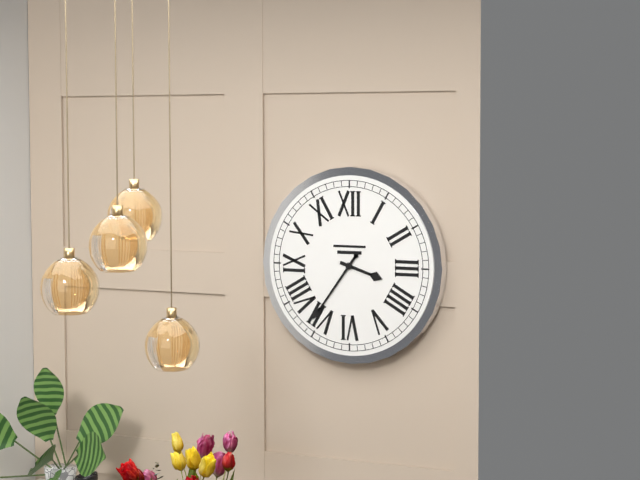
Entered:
3h36
